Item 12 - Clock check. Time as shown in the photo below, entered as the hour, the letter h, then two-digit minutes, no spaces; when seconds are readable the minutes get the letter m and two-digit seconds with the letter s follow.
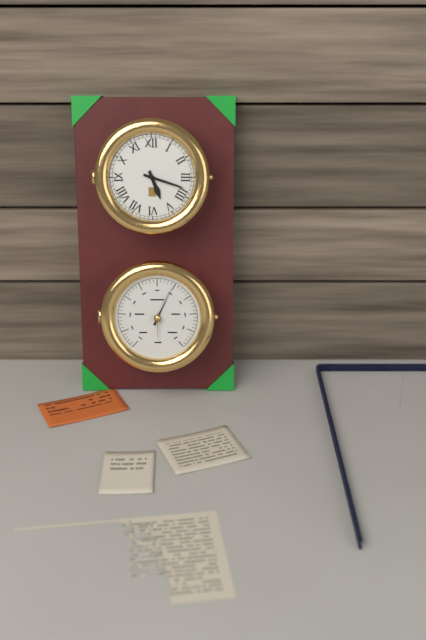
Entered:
5h18
